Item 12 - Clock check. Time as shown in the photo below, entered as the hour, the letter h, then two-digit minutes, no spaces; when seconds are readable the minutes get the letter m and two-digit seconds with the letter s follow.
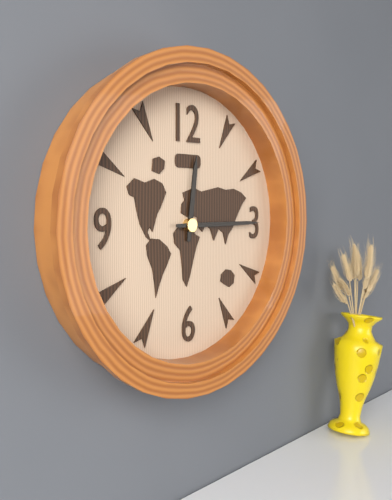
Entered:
12h15
